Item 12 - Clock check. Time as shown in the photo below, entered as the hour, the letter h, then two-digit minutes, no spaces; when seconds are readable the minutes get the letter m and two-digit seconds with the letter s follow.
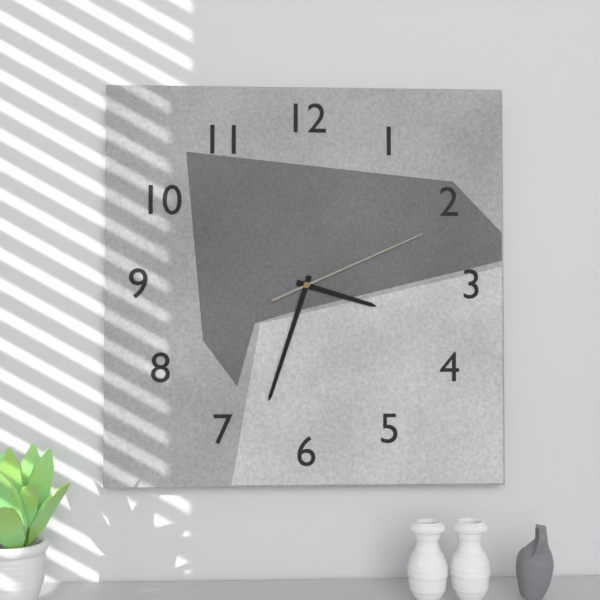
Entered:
3h33m11s
